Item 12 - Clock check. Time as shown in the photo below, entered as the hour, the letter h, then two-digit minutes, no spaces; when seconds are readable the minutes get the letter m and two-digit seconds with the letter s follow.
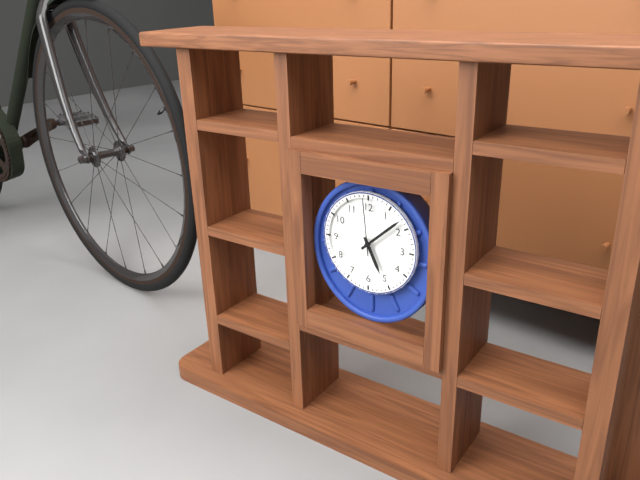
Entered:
5h08m59s
